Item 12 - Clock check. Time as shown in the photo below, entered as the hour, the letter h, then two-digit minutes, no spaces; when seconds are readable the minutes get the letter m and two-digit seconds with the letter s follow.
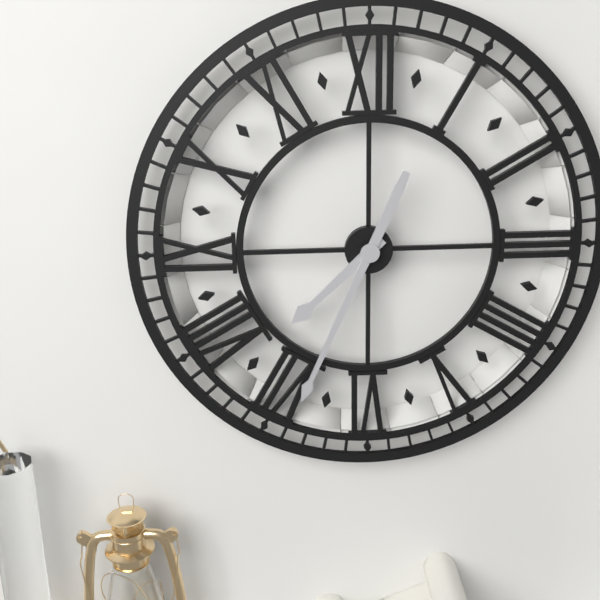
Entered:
7h34
